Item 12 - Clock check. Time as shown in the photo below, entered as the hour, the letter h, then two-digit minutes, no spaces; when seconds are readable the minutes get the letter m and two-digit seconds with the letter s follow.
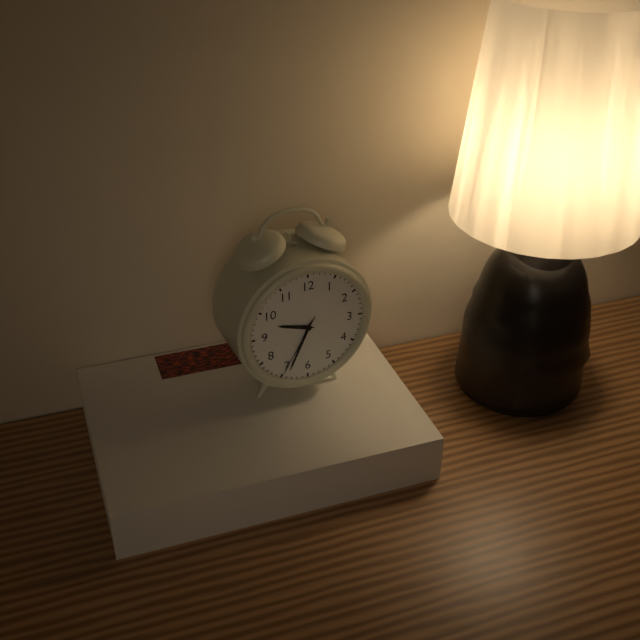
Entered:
9h34m35s
